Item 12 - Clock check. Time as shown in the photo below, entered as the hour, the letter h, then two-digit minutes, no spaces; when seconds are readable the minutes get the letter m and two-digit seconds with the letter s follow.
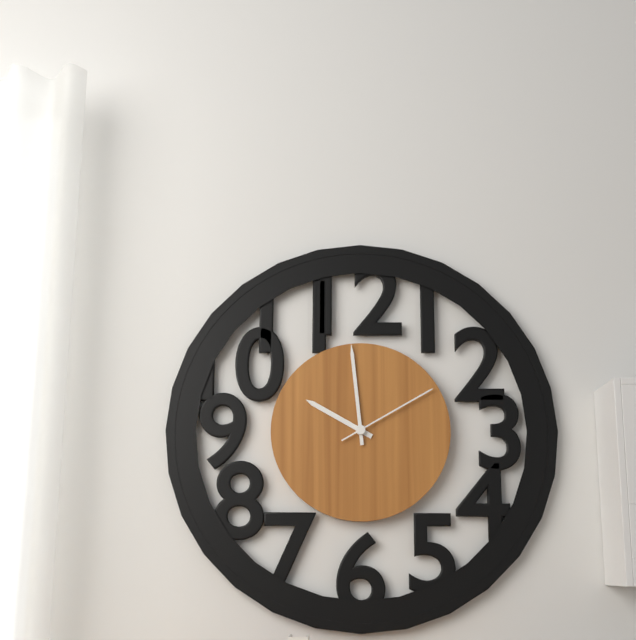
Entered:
9h59m10s
